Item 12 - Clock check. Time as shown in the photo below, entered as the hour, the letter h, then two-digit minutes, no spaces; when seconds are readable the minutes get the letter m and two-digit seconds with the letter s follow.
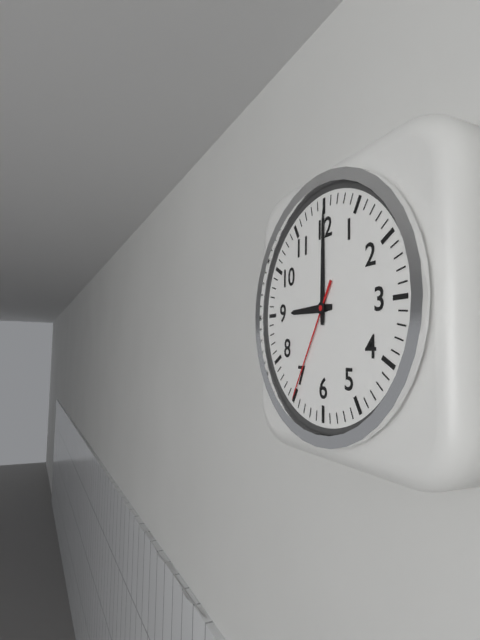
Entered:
9h00m35s
